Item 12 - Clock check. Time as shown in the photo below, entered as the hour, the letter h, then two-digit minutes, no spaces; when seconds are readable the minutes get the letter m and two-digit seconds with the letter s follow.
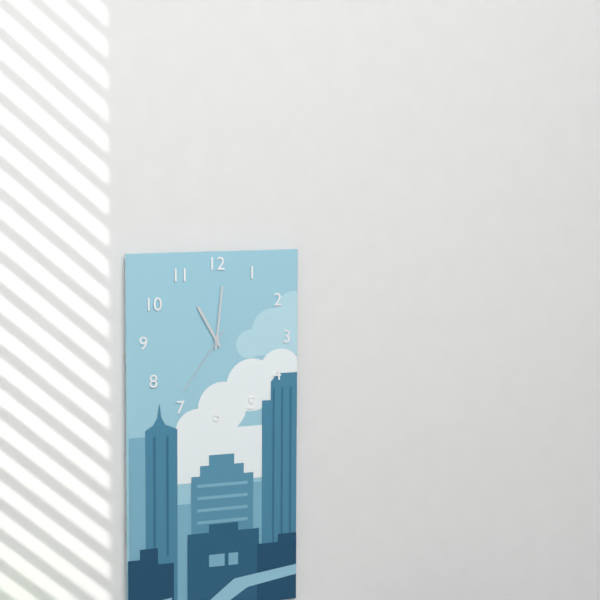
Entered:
11h01m36s
